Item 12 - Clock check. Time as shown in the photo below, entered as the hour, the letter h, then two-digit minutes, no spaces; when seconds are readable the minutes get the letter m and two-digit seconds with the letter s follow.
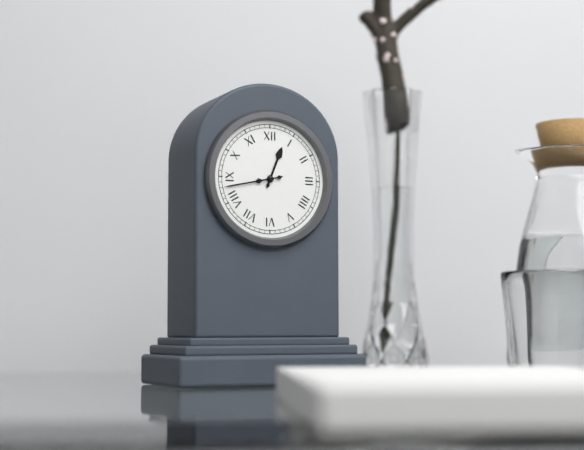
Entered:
12h43
